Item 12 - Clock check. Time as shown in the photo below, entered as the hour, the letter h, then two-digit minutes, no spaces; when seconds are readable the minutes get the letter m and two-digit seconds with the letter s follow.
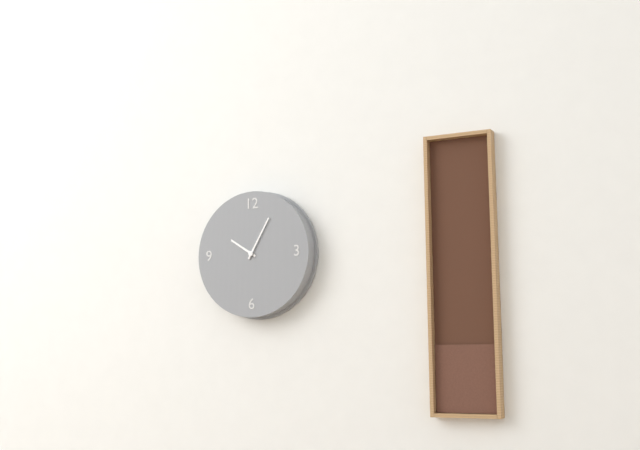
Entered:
10h05
